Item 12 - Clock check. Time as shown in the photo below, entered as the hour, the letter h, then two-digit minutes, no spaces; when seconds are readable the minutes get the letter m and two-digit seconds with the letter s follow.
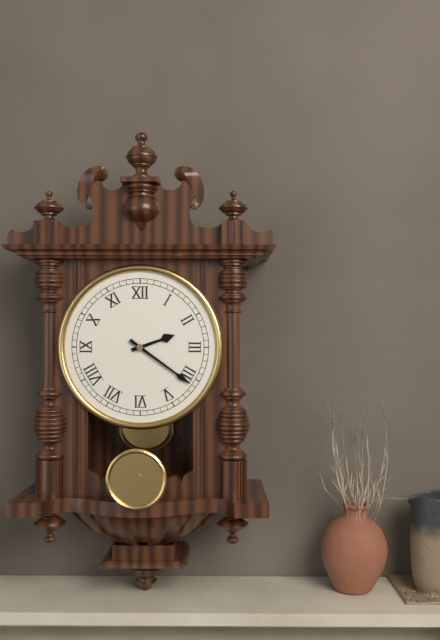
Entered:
2h21
